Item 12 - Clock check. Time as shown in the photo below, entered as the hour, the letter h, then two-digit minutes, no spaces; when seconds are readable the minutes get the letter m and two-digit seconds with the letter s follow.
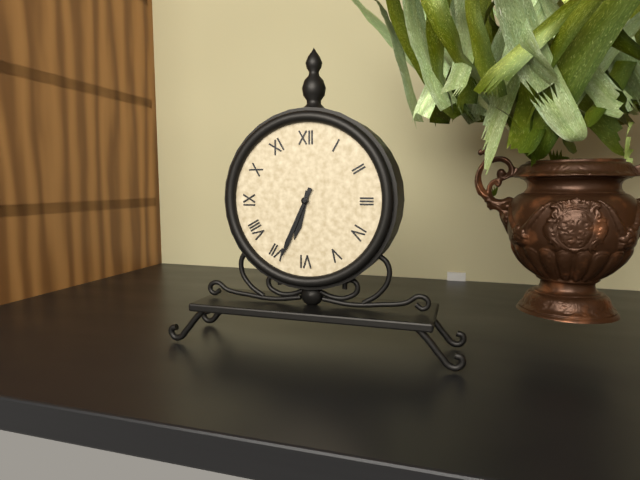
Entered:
6h34
